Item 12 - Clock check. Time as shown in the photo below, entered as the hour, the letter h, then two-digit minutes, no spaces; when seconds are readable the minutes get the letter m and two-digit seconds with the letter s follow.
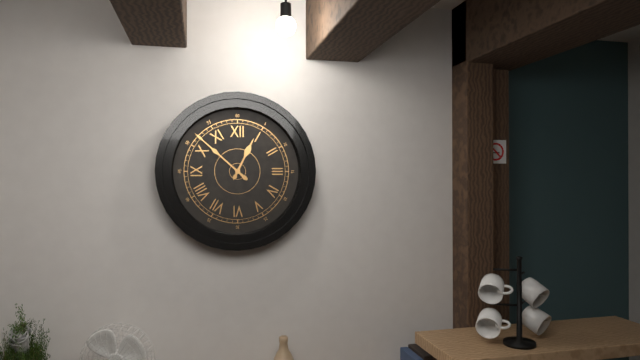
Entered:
12h52
